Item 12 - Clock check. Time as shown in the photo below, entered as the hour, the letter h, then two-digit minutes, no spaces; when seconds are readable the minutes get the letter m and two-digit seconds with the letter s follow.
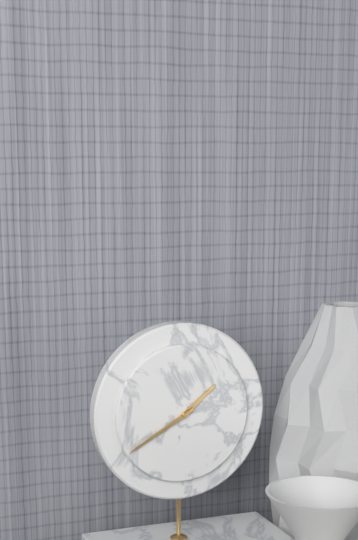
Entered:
1h40
